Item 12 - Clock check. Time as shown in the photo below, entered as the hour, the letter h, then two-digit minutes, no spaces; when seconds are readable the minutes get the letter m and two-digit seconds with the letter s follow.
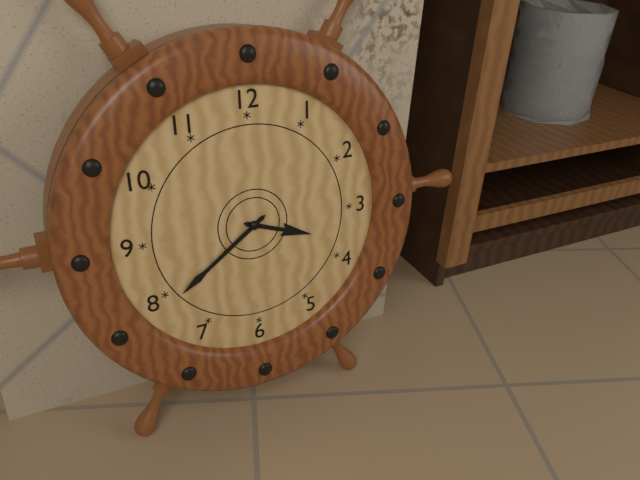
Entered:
3h39
